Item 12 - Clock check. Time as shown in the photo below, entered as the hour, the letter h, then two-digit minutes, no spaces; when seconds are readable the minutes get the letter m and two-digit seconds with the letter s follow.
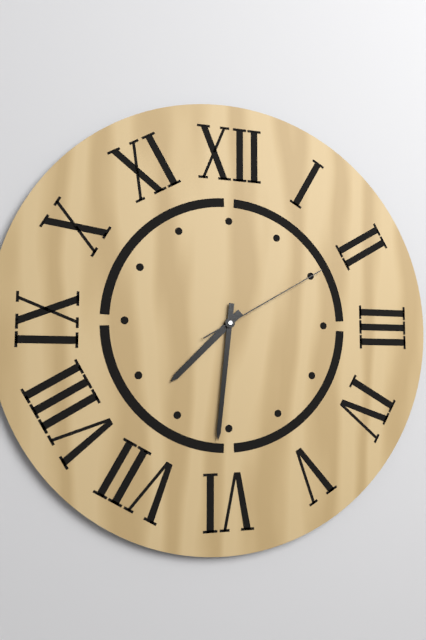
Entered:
7h31m10s
